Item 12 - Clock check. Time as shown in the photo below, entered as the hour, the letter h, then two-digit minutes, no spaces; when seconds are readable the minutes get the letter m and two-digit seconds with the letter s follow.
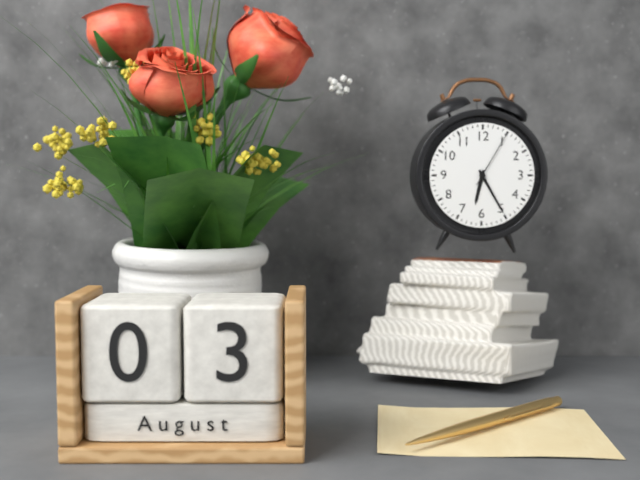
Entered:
6h25m05s
